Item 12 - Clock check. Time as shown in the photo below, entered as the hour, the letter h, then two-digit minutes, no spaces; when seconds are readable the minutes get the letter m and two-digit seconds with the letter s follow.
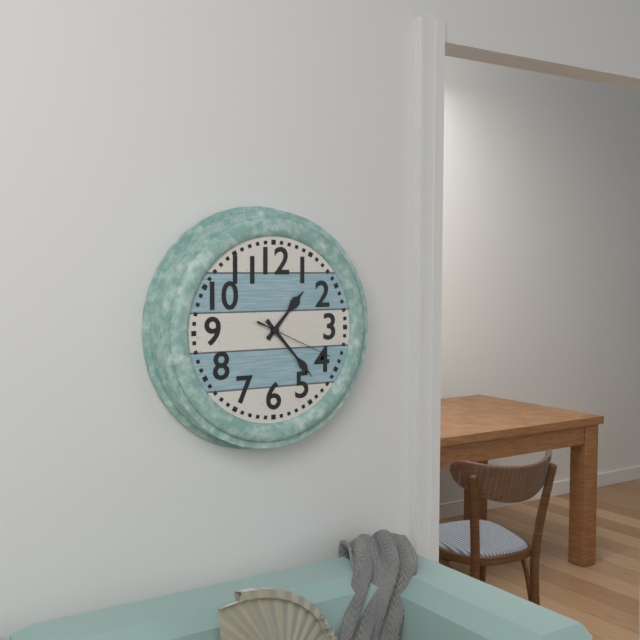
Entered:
1h23m19s
